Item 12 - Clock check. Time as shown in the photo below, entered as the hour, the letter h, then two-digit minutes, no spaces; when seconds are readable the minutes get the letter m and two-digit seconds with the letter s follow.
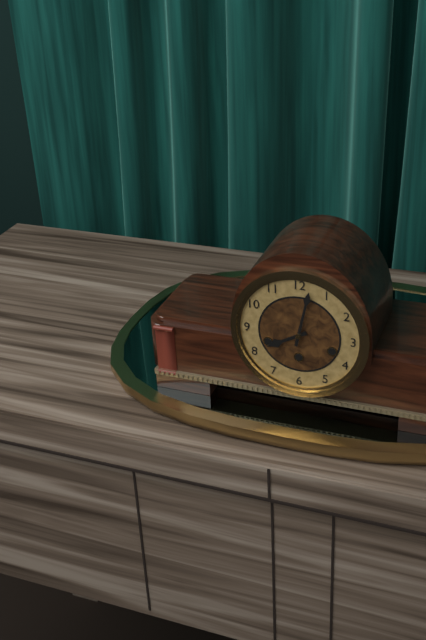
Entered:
8h02
